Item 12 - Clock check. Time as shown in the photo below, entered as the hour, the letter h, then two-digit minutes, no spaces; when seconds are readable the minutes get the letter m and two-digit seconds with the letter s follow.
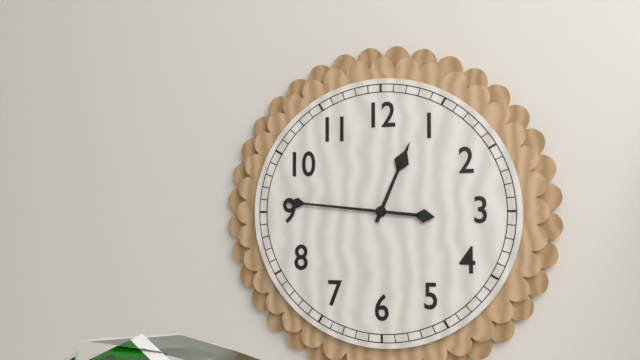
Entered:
12h46
